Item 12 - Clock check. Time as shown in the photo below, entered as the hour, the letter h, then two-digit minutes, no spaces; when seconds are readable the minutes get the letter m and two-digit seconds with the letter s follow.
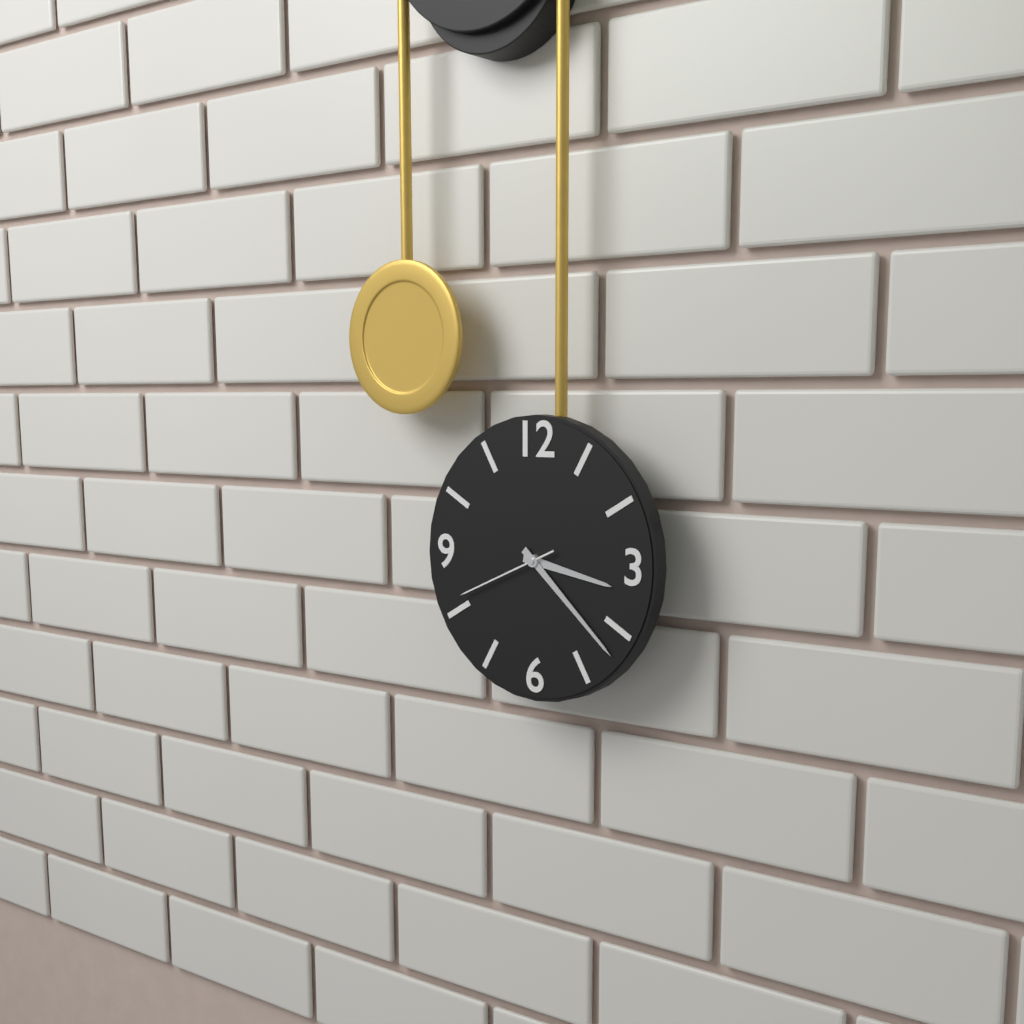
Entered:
3h22m41s
